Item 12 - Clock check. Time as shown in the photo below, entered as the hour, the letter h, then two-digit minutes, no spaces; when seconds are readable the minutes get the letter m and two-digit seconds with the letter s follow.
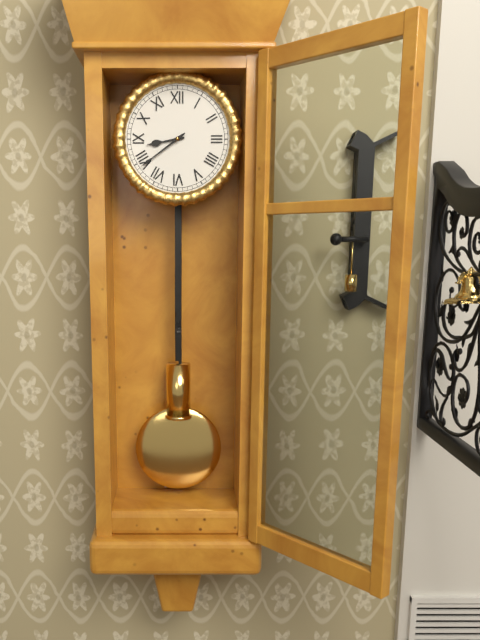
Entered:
8h39
